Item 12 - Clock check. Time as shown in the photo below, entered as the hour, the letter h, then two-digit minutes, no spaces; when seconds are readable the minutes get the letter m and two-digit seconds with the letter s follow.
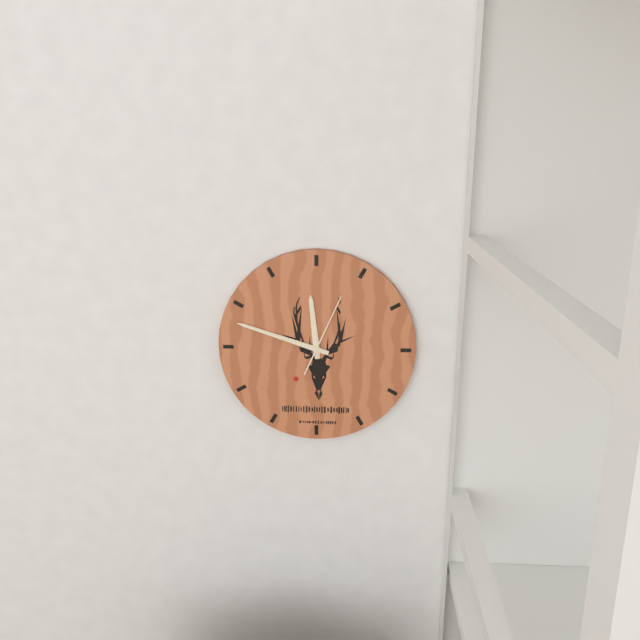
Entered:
11h48m04s
